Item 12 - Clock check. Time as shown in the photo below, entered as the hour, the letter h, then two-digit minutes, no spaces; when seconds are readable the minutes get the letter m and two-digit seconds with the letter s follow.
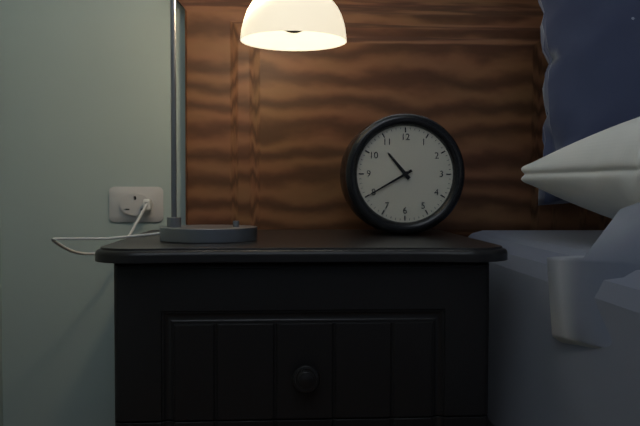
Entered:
10h40
